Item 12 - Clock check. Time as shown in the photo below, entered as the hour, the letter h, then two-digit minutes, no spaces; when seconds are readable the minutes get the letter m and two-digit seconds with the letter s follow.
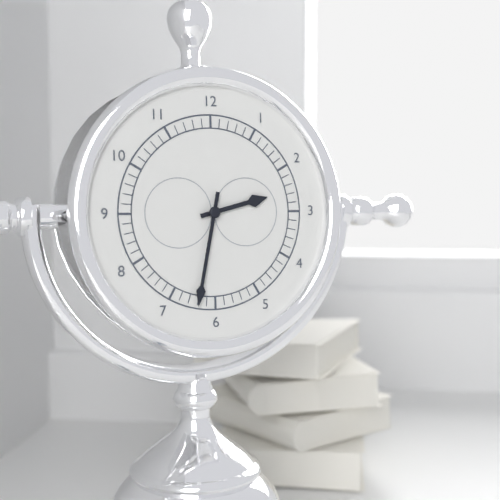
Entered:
2h32
